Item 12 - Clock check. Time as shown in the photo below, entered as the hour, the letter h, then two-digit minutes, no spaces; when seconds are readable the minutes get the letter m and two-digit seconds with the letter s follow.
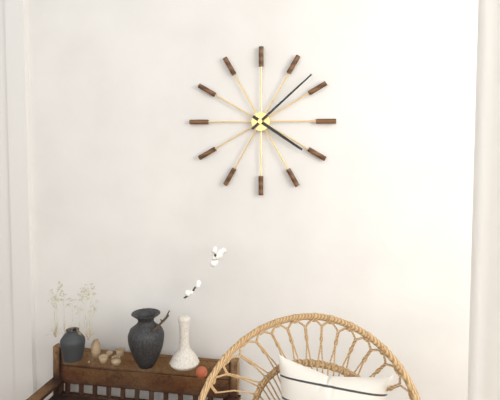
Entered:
4h08
